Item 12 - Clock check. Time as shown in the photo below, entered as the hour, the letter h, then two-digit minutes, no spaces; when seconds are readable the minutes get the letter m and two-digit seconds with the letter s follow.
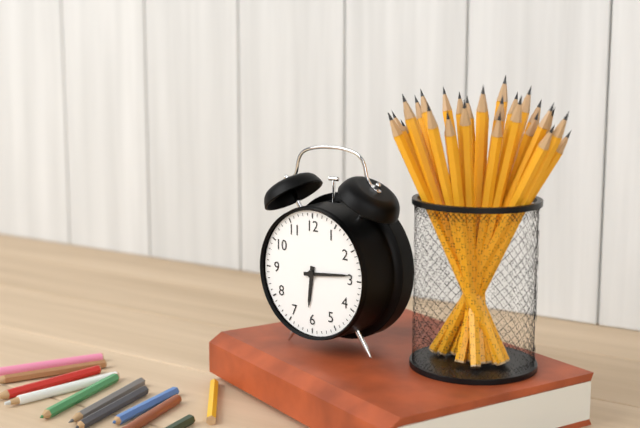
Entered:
6h14
